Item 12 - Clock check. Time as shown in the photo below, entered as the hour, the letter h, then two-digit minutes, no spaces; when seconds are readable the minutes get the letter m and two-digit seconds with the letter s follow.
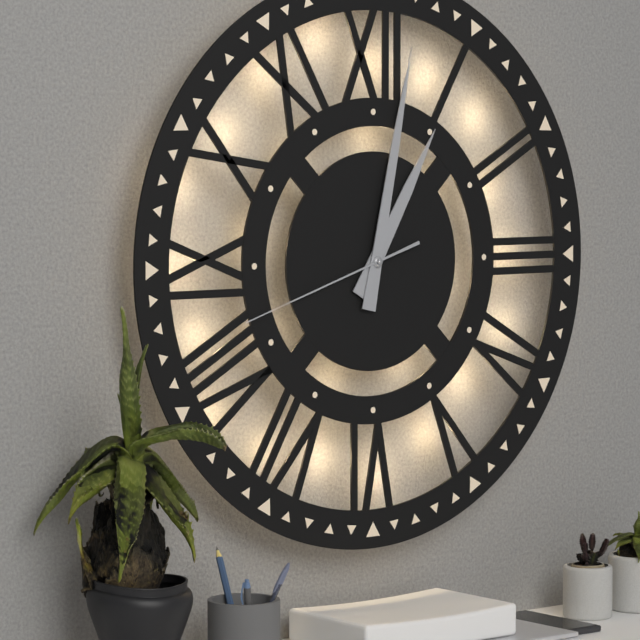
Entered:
1h02m42s
